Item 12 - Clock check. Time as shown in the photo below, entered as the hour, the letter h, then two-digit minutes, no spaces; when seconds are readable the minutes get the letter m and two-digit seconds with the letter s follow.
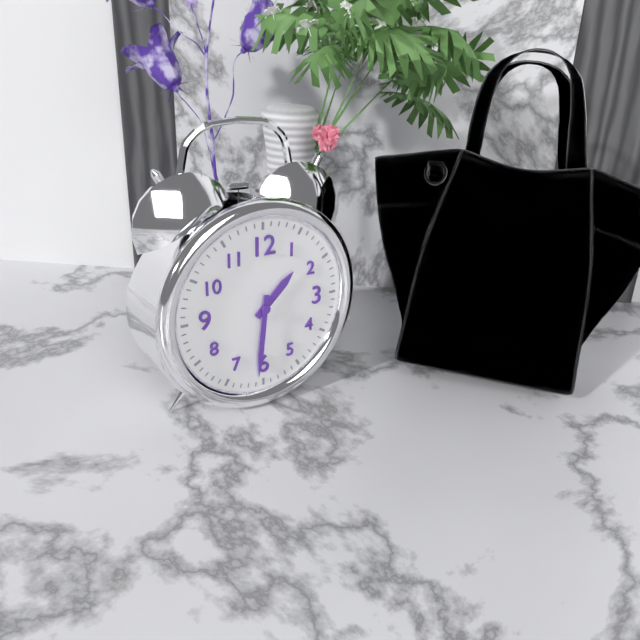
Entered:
1h31
